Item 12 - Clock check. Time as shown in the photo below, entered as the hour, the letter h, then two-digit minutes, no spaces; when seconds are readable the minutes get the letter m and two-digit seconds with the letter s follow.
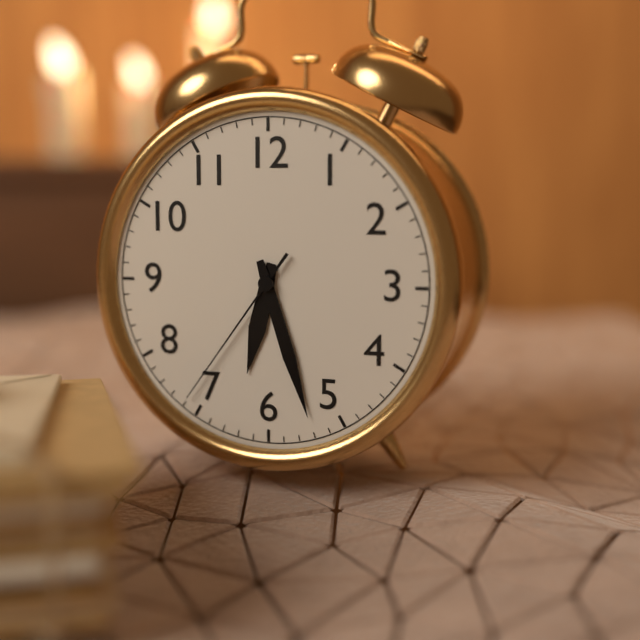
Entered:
6h27m36s
